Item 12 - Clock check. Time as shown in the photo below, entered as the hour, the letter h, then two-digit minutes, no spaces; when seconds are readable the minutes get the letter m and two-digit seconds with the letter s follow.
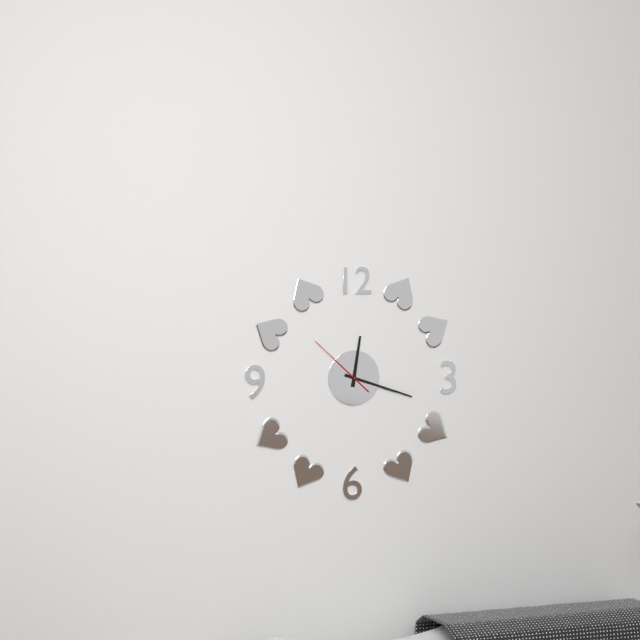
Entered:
12h18m52s
